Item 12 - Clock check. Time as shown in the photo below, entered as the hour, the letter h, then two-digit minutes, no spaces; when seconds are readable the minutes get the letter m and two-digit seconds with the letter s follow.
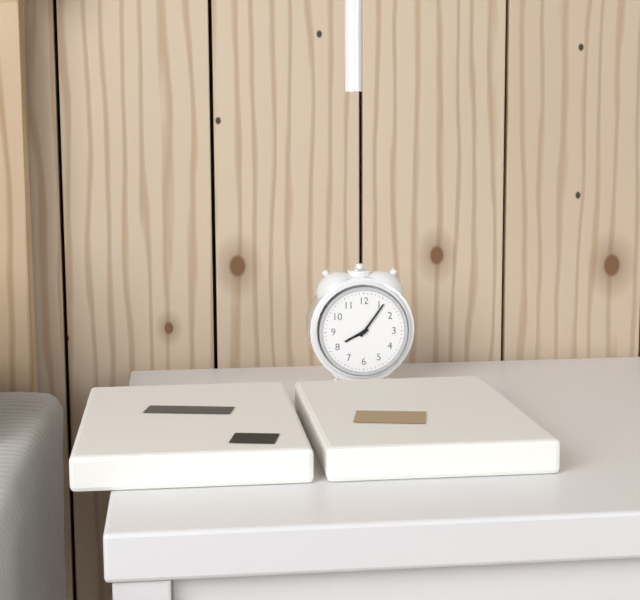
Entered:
8h06
